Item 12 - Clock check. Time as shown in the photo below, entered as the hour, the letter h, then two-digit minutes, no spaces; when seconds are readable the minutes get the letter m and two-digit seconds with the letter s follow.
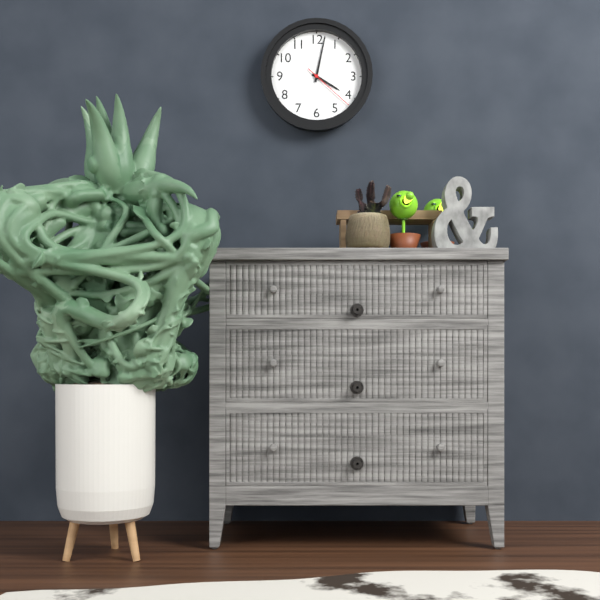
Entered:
4h02m22s
